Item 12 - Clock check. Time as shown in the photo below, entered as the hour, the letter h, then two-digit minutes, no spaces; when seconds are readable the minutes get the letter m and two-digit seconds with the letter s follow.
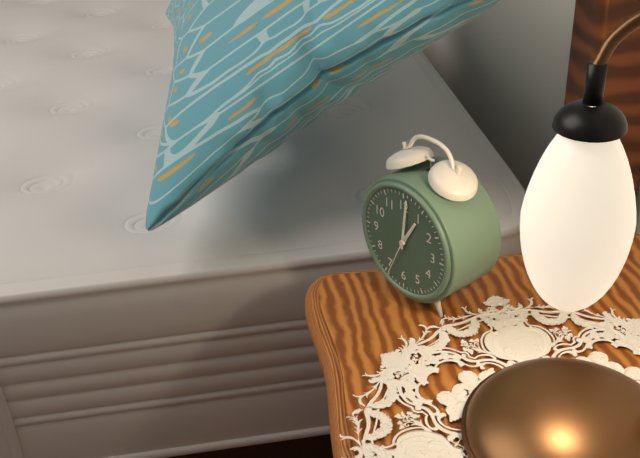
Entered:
1h01
